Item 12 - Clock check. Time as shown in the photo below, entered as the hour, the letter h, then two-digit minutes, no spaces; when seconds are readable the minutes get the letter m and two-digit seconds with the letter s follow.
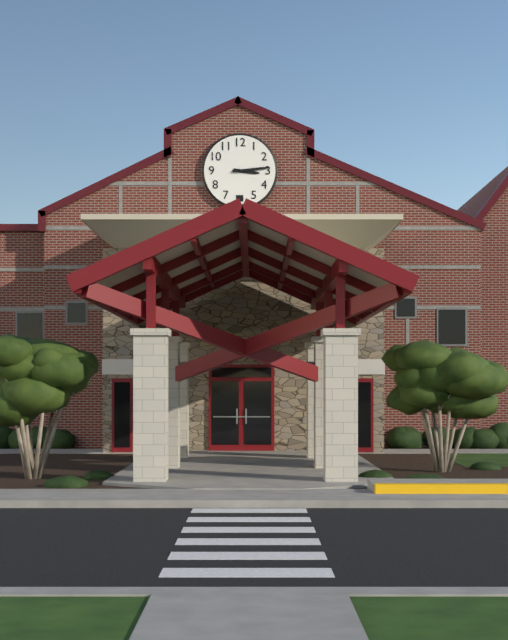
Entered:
3h14
